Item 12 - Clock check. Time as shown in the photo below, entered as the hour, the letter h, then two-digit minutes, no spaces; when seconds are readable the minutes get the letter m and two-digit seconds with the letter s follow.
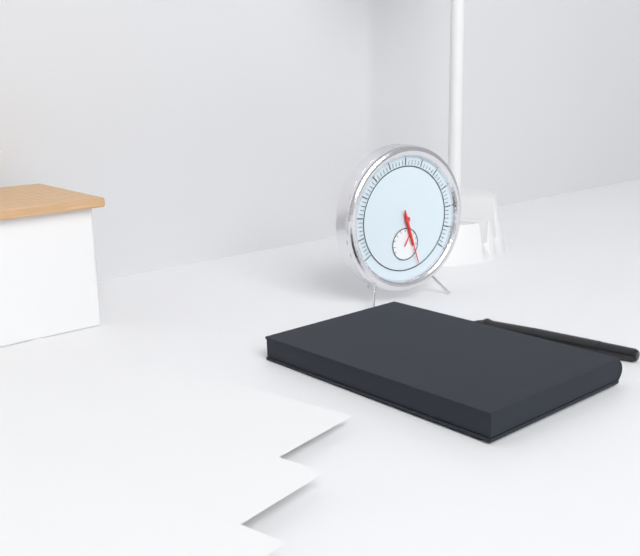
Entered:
5h27
